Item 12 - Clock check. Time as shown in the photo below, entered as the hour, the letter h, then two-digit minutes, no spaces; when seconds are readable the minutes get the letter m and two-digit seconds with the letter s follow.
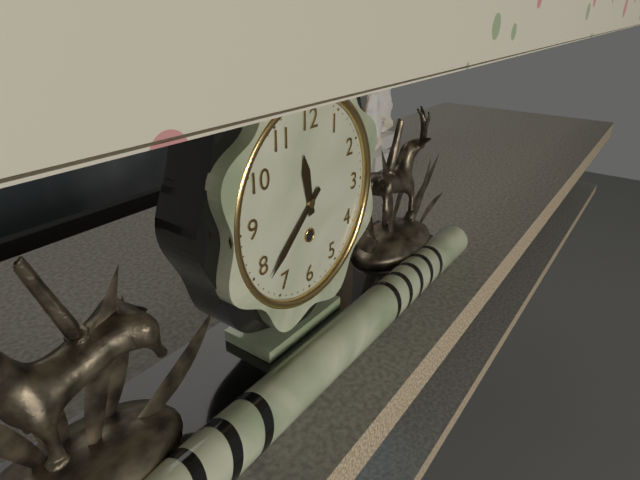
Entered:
11h38
